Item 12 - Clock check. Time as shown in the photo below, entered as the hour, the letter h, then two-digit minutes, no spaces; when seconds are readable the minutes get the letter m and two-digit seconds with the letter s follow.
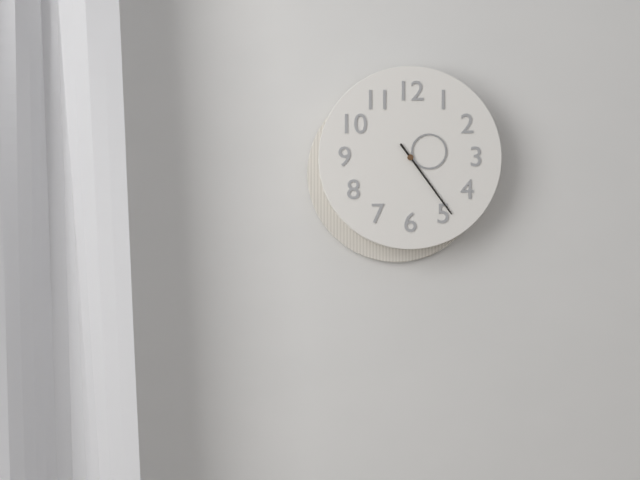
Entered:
2h24
